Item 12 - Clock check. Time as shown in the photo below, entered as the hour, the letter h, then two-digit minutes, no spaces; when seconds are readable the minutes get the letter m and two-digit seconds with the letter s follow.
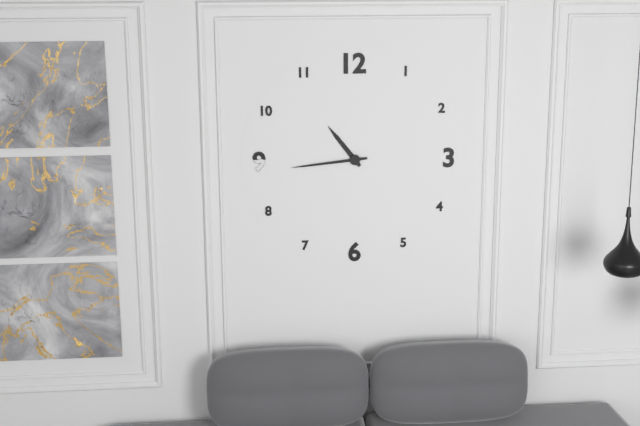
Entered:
10h44
